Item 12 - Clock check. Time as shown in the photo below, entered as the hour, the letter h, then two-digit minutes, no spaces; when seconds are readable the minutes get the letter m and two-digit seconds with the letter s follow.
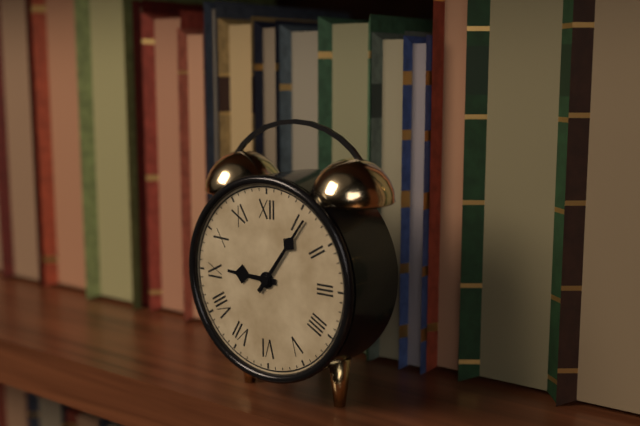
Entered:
9h06
